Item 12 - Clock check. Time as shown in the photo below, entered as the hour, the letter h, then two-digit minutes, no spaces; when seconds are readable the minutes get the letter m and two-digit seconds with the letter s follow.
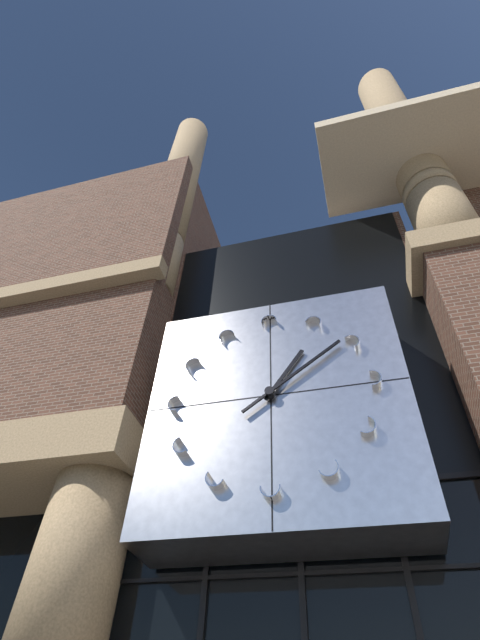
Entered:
1h09
